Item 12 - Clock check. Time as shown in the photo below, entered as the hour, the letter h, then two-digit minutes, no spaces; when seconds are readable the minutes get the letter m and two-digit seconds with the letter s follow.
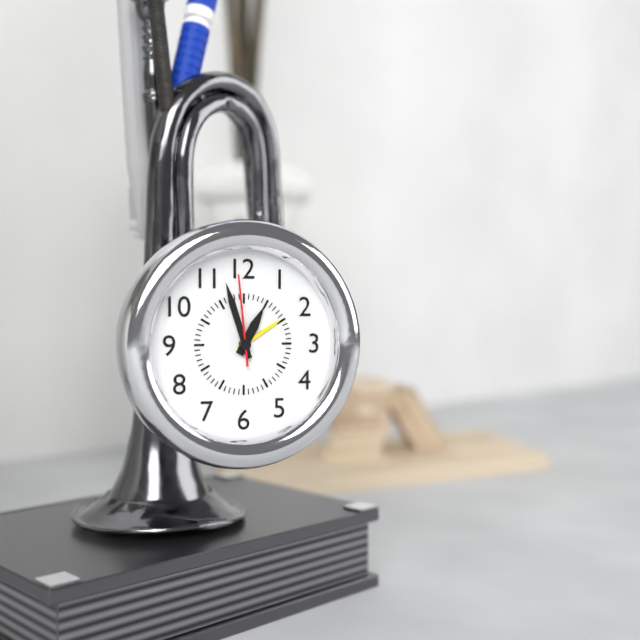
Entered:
12h57m59s
